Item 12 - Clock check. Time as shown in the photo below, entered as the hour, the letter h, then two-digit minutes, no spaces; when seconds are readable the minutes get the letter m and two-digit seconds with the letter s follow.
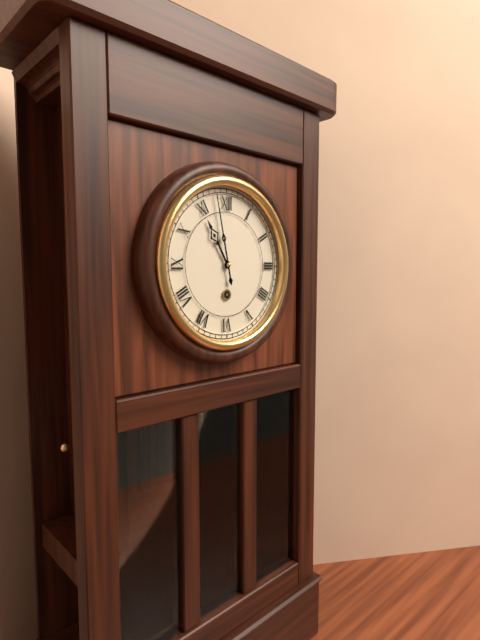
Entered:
10h58
